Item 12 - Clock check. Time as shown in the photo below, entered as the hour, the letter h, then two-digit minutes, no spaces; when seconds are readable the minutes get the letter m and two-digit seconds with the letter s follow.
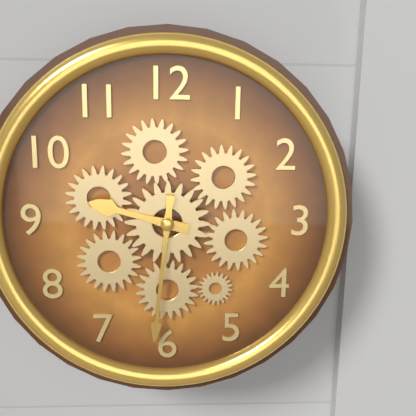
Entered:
9h31
